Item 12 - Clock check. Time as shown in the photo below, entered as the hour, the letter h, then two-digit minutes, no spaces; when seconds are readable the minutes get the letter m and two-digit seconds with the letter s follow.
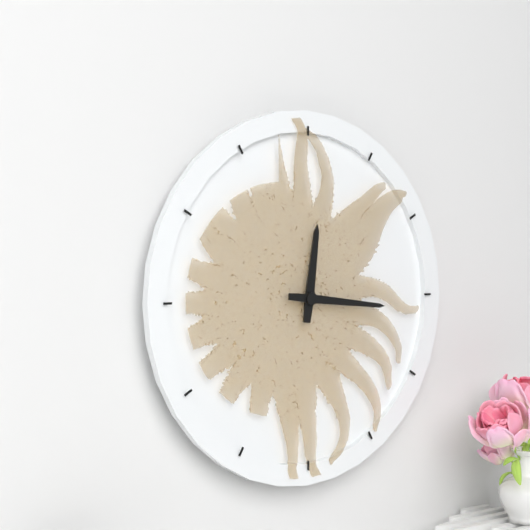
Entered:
12h16
